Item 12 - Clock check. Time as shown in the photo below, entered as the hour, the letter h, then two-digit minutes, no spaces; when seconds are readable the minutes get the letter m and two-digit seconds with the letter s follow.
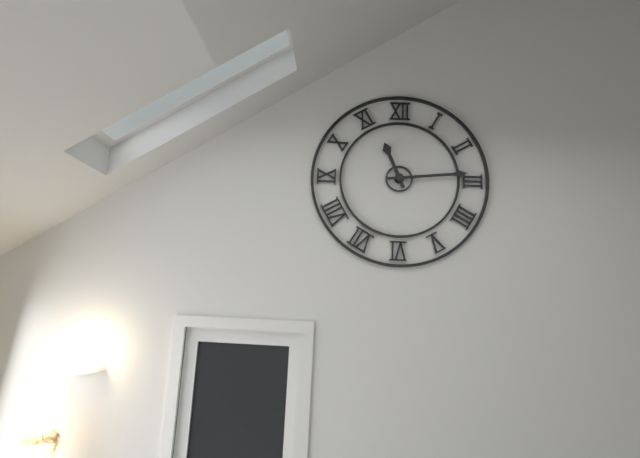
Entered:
11h14
